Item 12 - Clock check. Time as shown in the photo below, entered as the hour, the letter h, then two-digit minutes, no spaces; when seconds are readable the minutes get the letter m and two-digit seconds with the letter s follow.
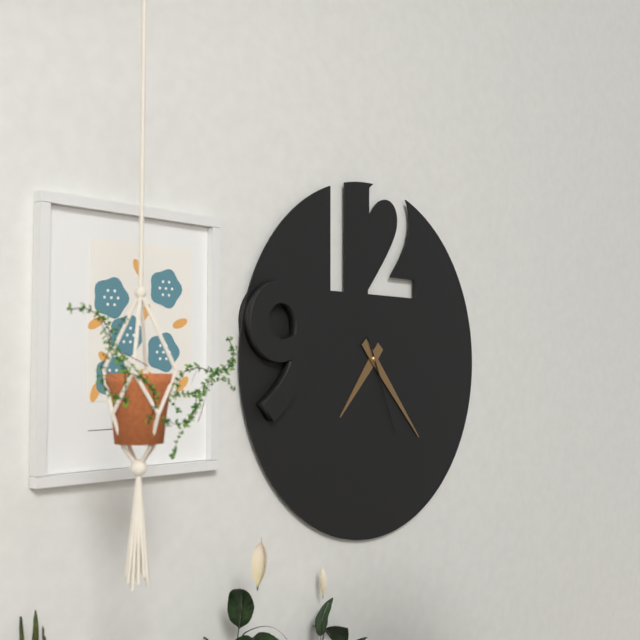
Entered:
7h23m26s
